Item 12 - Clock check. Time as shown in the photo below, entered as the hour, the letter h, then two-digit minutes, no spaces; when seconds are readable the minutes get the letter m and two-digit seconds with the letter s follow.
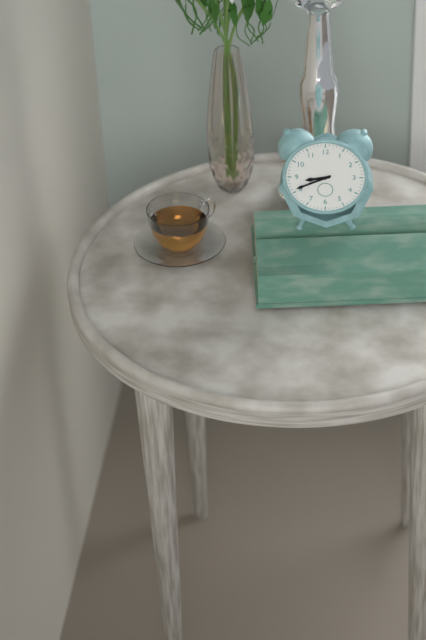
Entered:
8h41
